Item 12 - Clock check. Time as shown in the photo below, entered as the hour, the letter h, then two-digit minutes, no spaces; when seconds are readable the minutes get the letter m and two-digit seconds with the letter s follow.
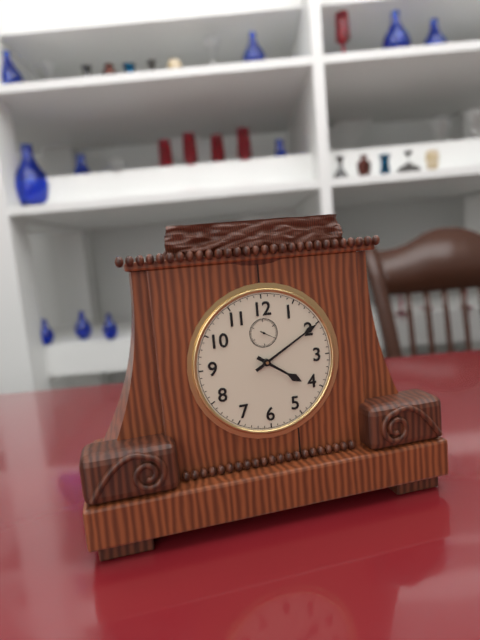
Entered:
4h10
